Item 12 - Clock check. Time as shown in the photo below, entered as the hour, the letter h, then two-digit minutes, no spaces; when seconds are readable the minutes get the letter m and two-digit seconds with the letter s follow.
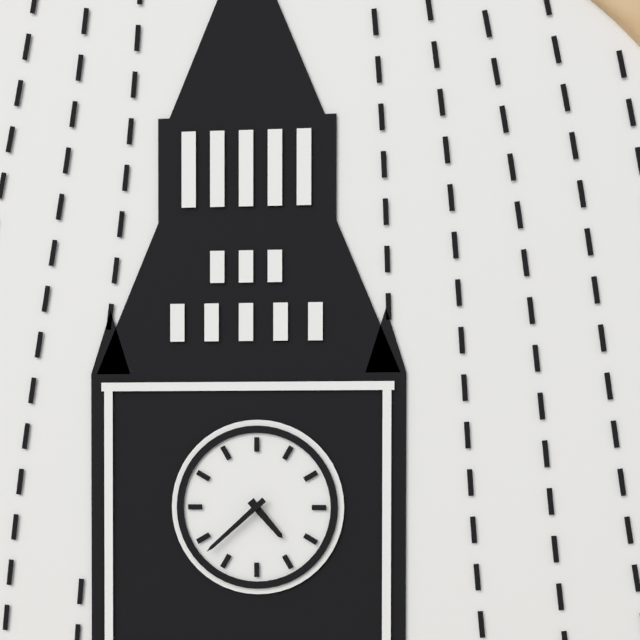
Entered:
4h38
